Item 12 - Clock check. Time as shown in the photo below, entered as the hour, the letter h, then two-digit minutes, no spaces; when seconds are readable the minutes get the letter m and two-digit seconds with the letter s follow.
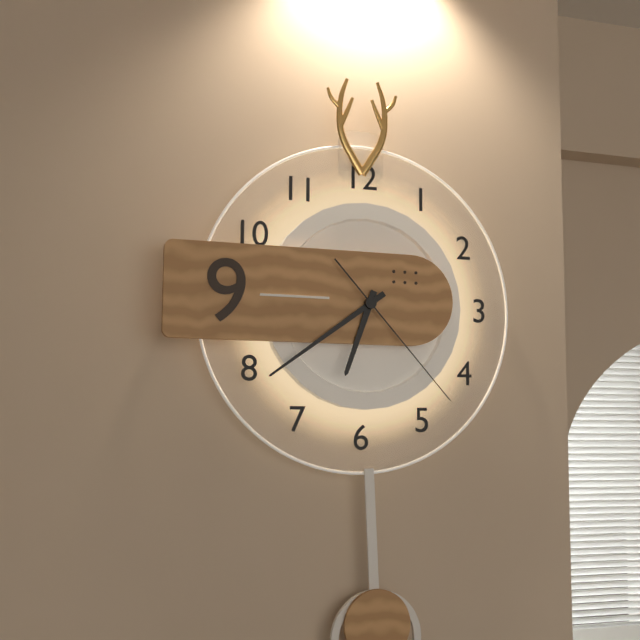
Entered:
6h39m23s
